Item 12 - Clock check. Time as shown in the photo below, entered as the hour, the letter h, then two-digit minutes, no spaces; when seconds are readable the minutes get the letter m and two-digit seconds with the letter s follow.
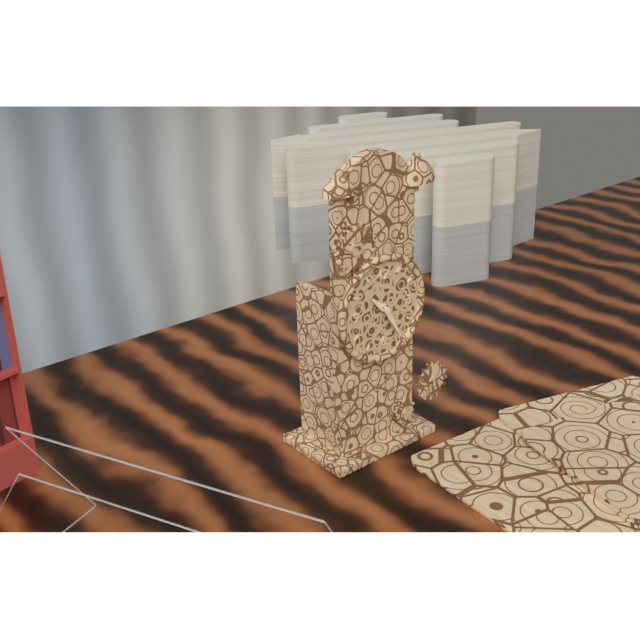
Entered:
10h25
